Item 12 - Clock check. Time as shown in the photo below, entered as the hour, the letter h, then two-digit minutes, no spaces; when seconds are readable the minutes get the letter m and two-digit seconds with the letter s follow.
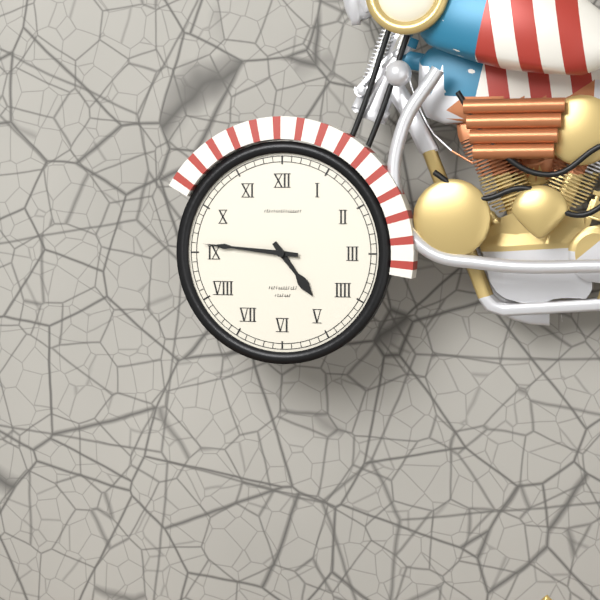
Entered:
4h46
